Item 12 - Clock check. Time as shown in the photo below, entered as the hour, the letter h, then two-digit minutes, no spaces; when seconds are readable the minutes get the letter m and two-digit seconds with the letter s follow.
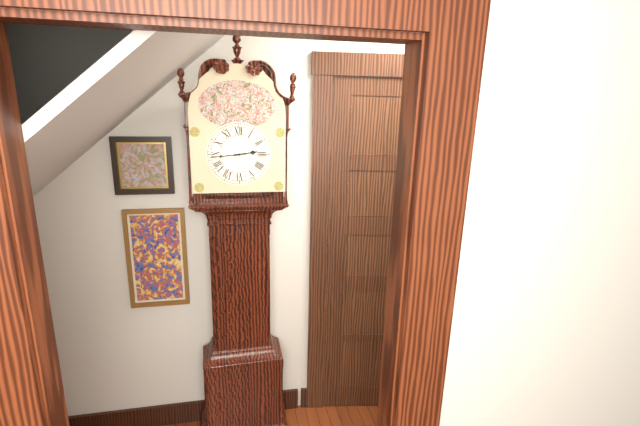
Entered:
2h44
